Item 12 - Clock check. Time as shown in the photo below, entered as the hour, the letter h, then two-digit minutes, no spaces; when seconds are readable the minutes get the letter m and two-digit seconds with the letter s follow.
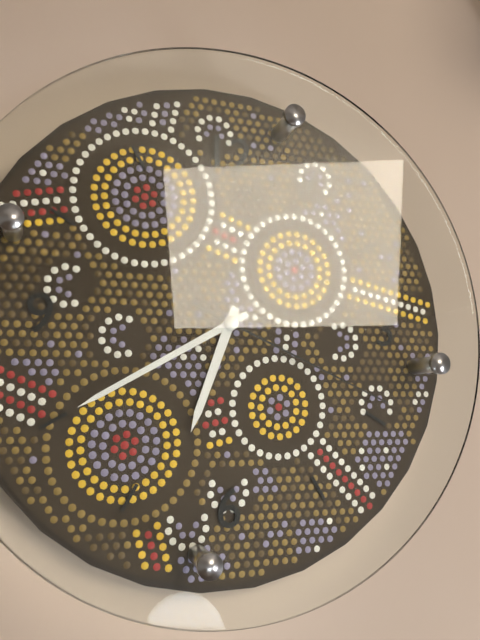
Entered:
6h40m19s
